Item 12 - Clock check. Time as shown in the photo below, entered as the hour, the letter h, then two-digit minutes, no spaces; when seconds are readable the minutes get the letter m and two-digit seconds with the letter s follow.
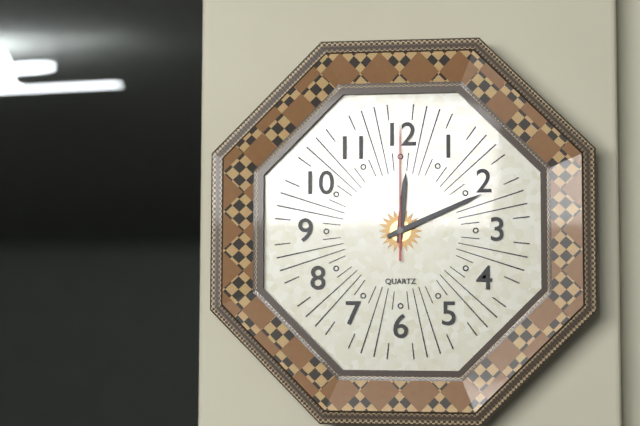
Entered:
12h11m00s
